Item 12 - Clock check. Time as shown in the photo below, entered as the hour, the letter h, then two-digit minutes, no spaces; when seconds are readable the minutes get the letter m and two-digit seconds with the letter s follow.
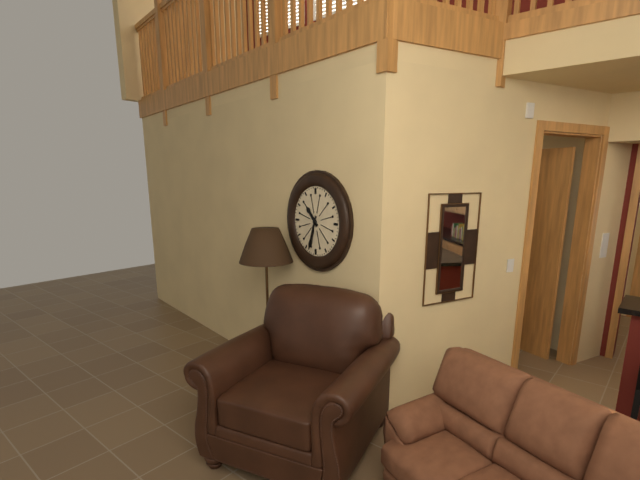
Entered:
10h33
